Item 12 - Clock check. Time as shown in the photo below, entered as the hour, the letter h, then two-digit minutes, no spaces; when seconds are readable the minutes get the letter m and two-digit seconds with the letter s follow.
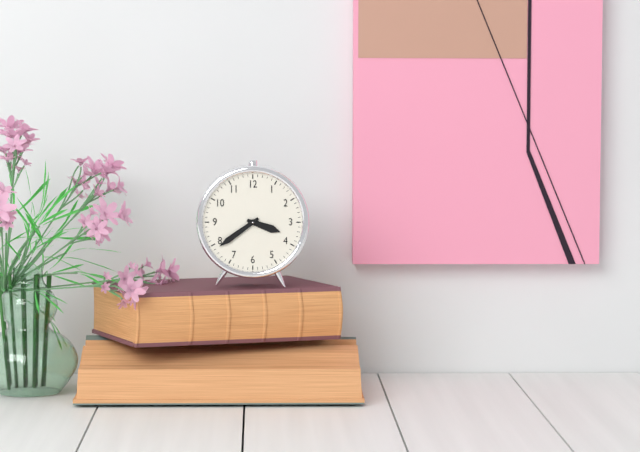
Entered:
3h39
